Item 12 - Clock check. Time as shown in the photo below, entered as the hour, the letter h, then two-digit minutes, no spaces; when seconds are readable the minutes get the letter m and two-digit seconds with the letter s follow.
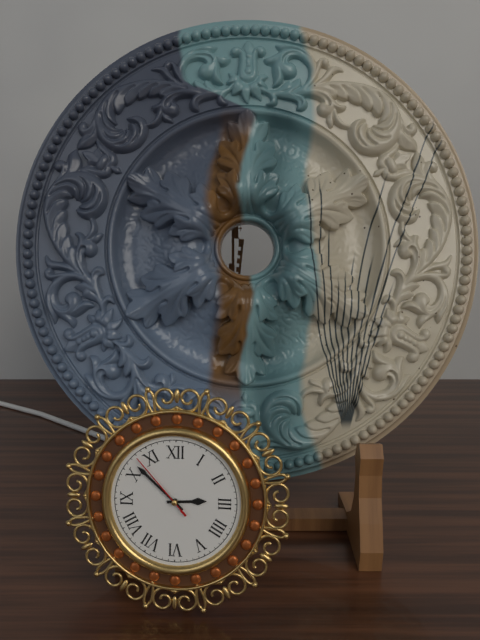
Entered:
2h52m53s
